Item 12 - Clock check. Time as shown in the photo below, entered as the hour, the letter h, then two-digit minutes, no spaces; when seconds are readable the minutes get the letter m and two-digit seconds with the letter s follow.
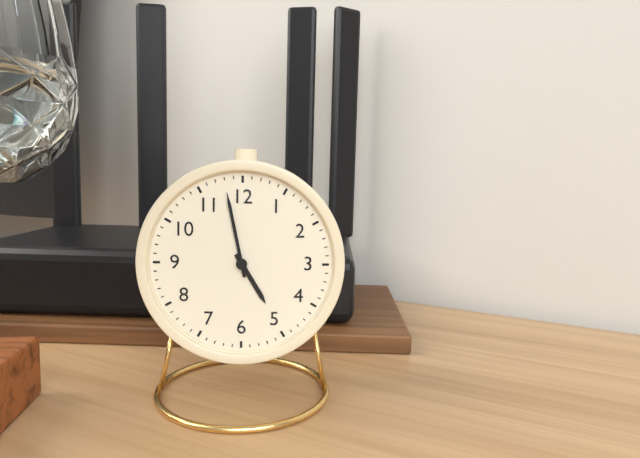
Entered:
4h58
